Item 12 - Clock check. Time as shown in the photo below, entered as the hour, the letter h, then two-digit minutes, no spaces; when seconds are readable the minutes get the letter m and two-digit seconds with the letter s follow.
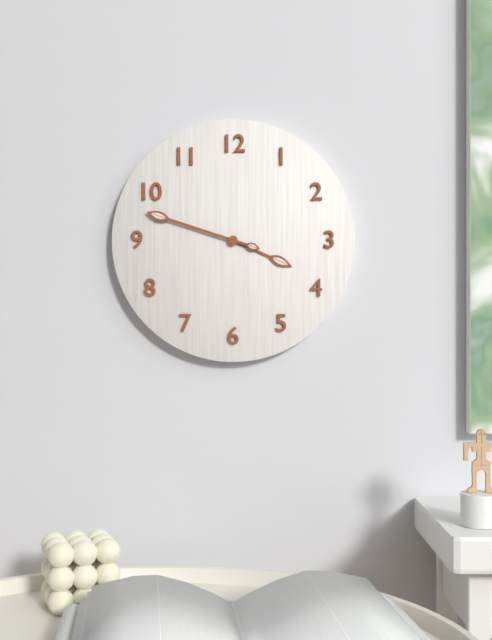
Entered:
3h48
